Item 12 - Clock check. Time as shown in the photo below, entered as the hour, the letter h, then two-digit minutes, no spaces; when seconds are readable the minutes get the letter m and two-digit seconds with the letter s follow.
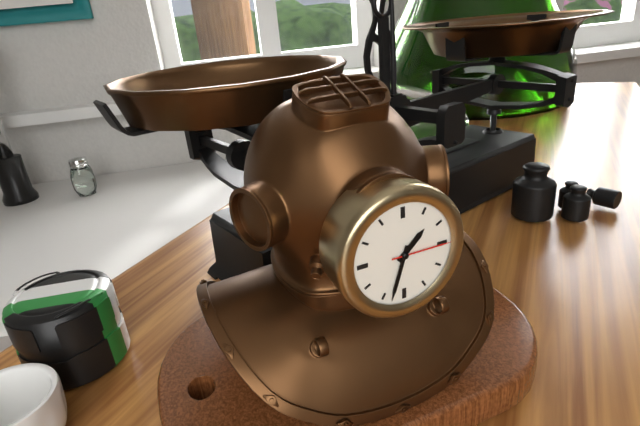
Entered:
1h33m15s
